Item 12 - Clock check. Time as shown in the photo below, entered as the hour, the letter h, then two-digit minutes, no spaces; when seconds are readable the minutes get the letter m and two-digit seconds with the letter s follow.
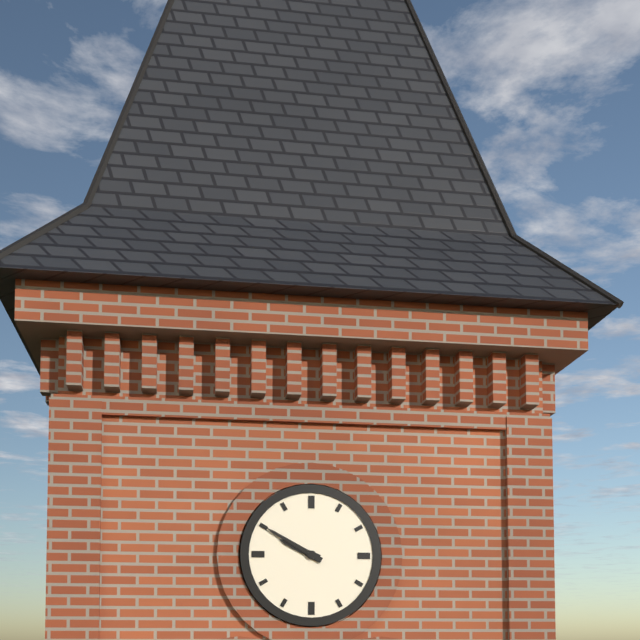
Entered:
9h50
